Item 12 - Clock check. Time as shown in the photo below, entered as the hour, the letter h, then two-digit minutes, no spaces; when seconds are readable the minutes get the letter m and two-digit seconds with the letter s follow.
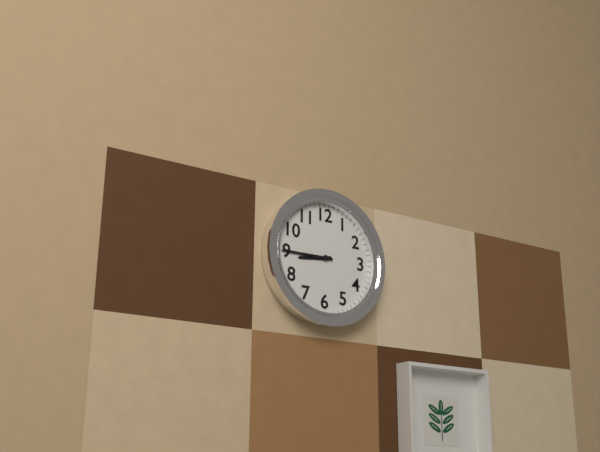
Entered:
8h45
